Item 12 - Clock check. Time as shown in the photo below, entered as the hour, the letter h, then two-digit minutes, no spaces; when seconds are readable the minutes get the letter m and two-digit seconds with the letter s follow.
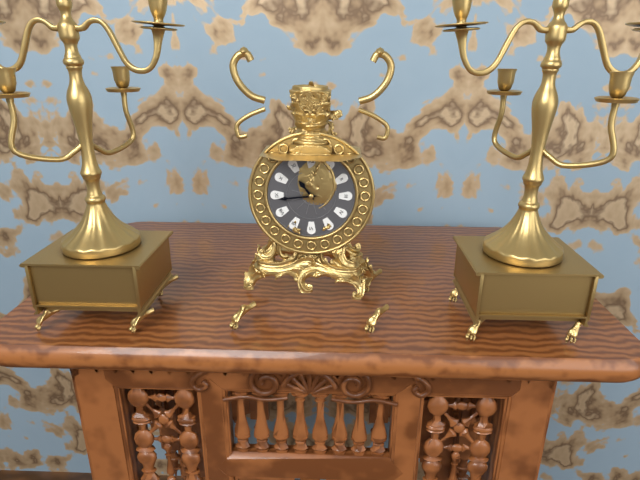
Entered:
10h44
